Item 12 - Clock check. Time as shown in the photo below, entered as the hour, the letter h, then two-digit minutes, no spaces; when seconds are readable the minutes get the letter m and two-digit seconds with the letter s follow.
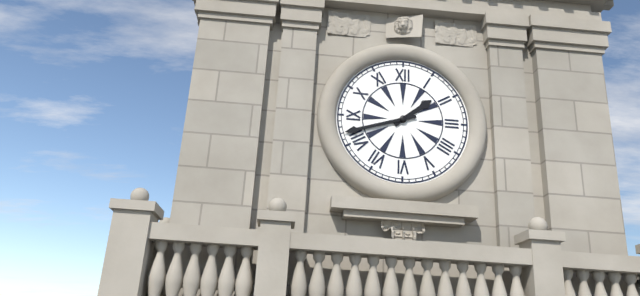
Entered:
1h42
